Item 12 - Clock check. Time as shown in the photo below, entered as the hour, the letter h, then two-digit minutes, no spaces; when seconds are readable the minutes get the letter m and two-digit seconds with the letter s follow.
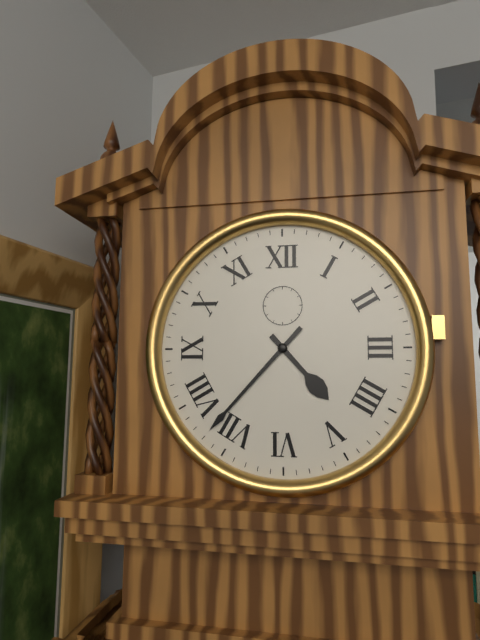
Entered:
4h37
